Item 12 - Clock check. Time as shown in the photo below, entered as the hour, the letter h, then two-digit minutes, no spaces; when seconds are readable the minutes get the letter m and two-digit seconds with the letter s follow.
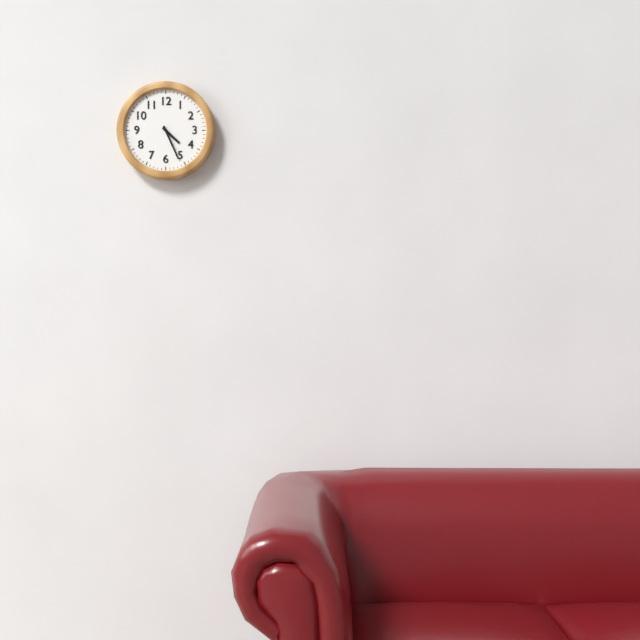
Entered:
4h26
